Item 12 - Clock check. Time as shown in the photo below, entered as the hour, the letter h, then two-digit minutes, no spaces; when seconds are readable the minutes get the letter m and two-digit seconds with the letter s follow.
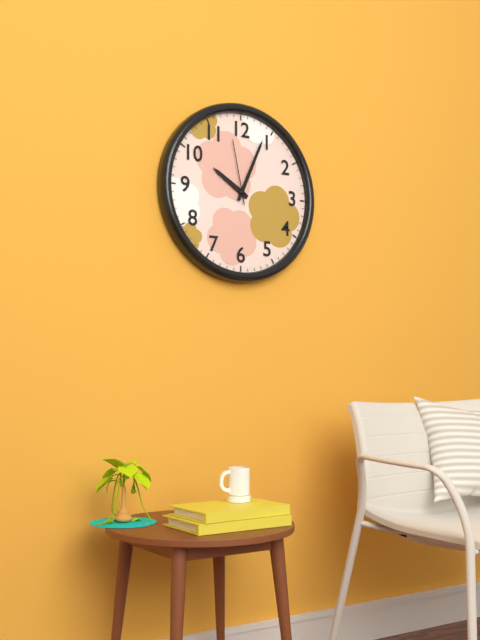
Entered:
10h04m58s
